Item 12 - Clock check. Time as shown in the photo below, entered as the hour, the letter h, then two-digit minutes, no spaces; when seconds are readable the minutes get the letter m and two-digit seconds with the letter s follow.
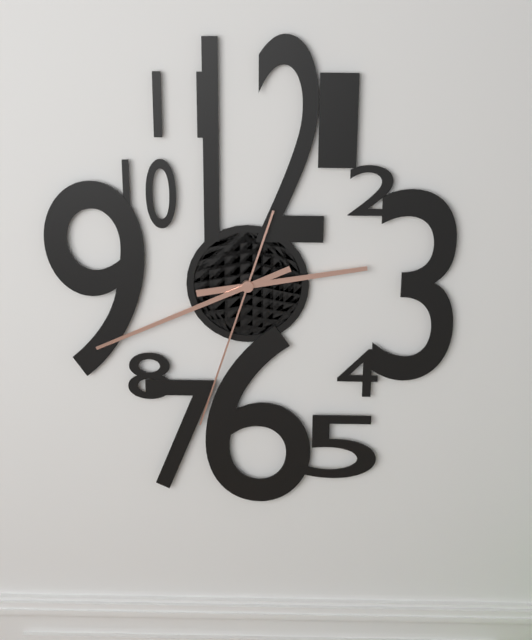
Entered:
2h41m33s
